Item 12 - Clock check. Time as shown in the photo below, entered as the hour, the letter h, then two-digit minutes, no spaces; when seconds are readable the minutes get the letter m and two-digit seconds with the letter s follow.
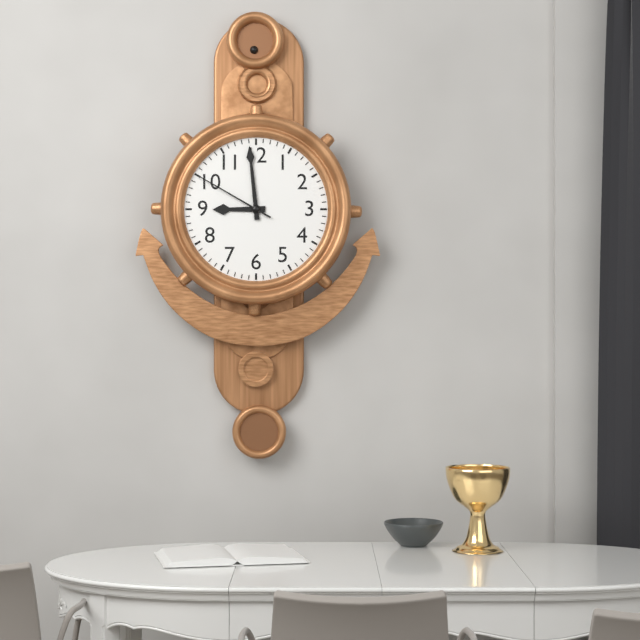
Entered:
8h59m50s
